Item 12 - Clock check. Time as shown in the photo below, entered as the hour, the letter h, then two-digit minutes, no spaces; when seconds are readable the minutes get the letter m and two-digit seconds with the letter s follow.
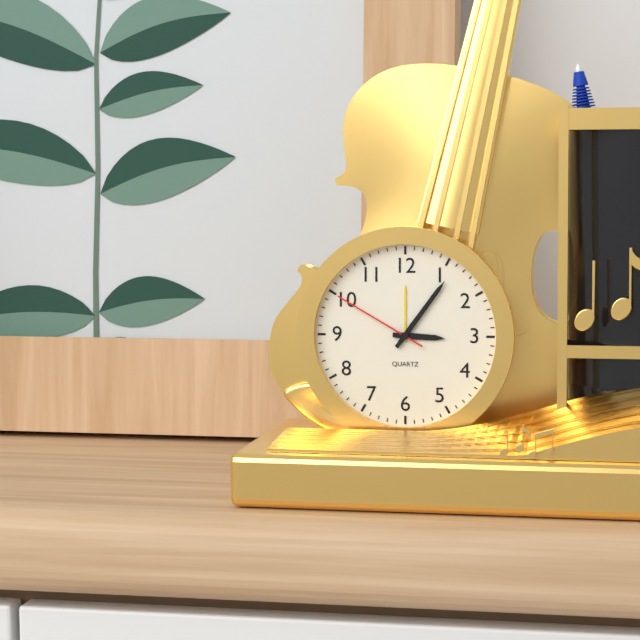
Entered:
3h06m50s
